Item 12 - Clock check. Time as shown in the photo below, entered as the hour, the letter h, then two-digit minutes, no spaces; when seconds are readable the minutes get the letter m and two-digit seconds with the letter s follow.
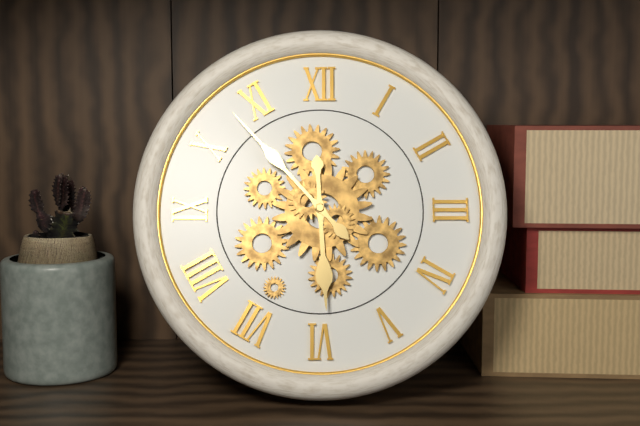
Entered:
5h53
